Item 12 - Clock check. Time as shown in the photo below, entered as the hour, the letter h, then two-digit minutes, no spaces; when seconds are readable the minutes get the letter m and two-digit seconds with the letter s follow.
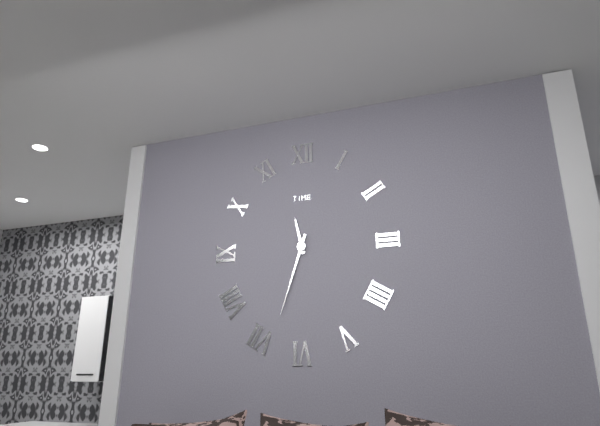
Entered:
11h33
